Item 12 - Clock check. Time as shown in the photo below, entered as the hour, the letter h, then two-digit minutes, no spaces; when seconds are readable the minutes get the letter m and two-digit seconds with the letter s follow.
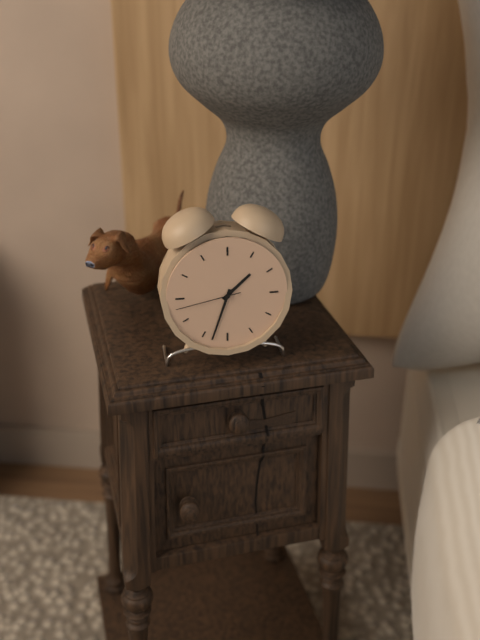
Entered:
1h33m43s
